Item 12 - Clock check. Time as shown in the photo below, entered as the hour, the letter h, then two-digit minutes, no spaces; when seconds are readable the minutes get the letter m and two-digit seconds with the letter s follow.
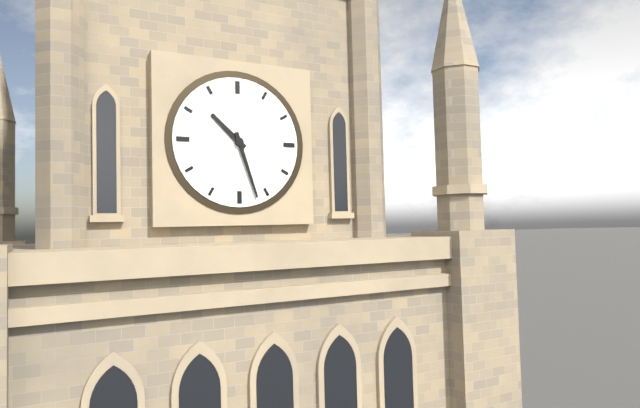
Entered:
10h27
